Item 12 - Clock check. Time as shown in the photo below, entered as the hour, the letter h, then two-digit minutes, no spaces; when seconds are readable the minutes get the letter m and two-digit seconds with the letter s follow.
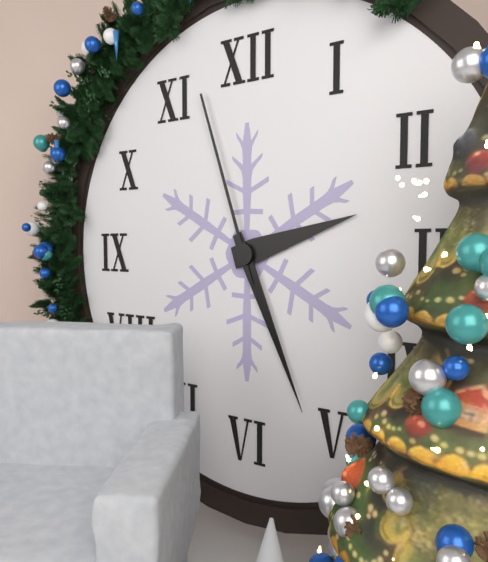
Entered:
2h26m57s
